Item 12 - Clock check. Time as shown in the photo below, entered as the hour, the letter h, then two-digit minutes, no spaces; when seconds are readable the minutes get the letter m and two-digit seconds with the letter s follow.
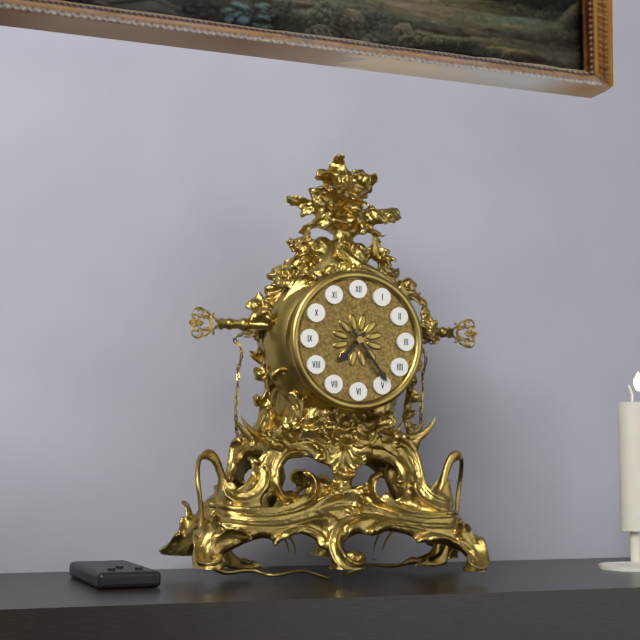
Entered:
7h24
